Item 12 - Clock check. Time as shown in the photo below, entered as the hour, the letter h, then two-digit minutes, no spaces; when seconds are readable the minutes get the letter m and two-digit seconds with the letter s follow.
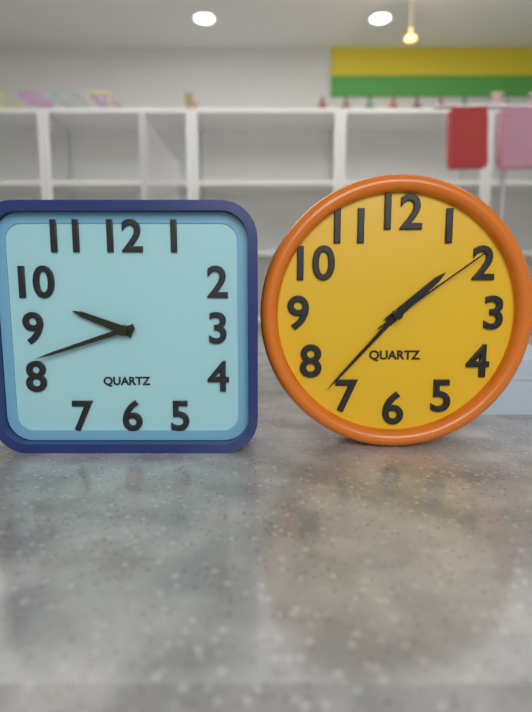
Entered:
9h42
